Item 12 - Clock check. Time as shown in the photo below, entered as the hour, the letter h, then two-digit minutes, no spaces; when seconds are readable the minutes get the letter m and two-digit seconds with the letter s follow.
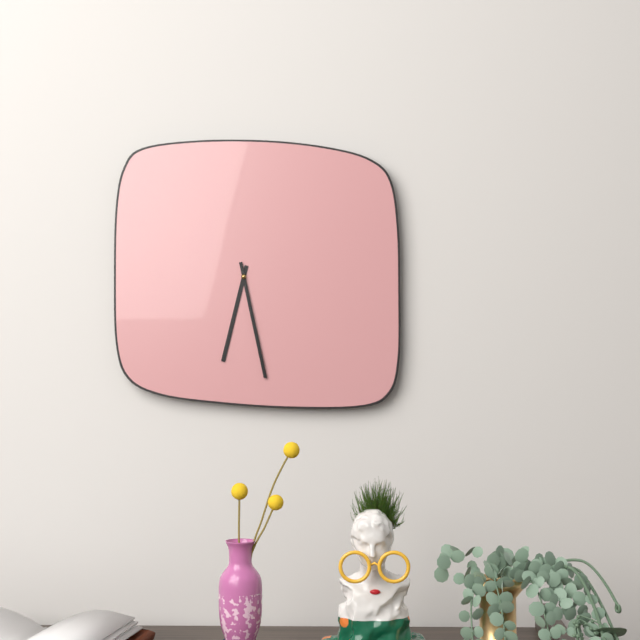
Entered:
6h28
